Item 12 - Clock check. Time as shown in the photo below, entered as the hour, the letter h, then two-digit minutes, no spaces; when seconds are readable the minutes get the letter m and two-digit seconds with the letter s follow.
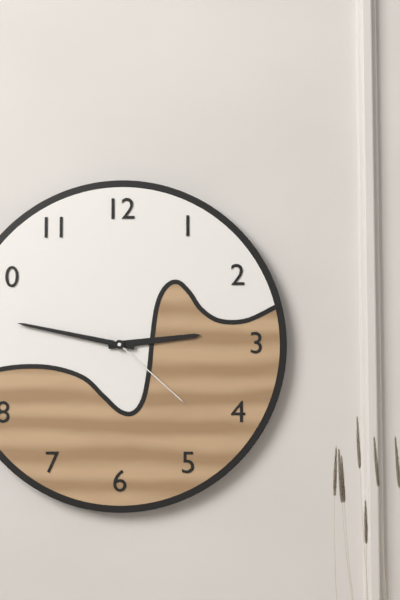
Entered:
2h47m22s
